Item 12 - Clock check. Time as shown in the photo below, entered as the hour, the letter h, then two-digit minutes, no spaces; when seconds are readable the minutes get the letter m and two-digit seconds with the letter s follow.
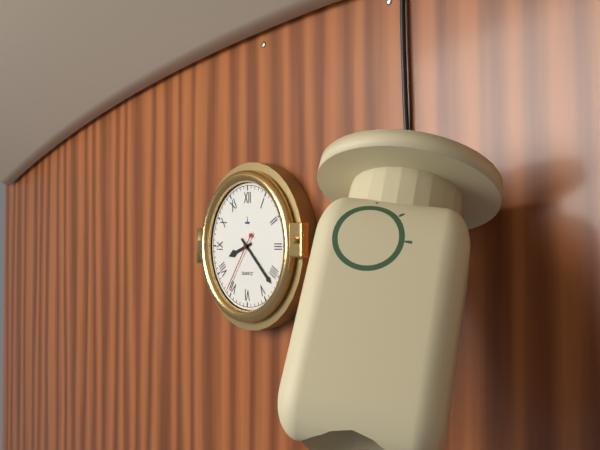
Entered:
8h22m36s
